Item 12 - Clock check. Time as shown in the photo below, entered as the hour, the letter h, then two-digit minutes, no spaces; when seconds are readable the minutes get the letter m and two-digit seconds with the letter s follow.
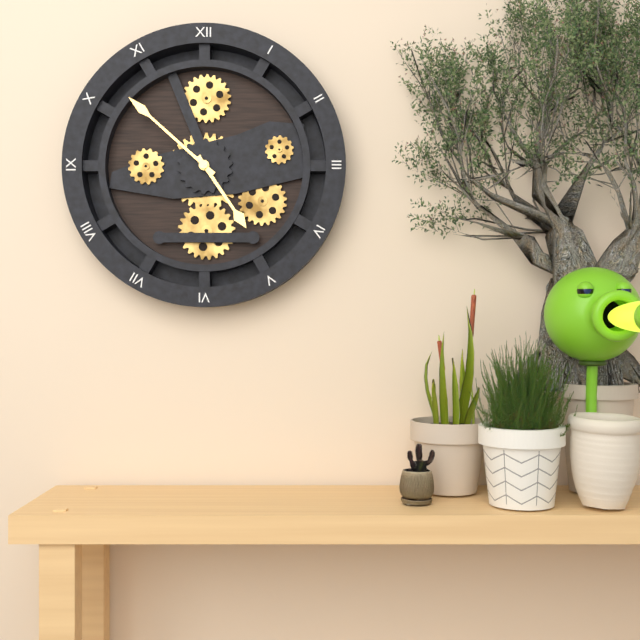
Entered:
4h52
